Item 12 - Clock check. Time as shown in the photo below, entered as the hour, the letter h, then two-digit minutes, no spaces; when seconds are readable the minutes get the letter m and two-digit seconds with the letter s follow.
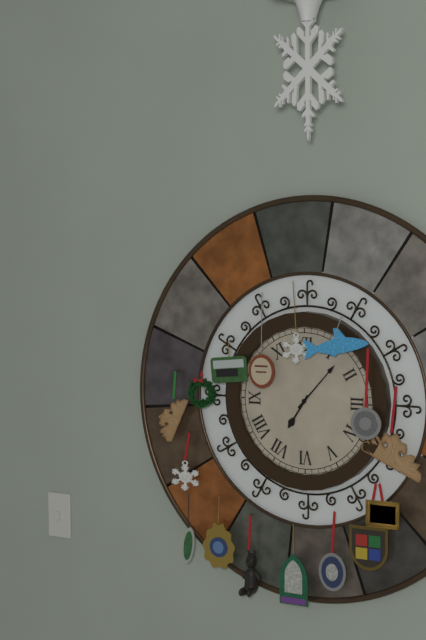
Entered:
7h07
